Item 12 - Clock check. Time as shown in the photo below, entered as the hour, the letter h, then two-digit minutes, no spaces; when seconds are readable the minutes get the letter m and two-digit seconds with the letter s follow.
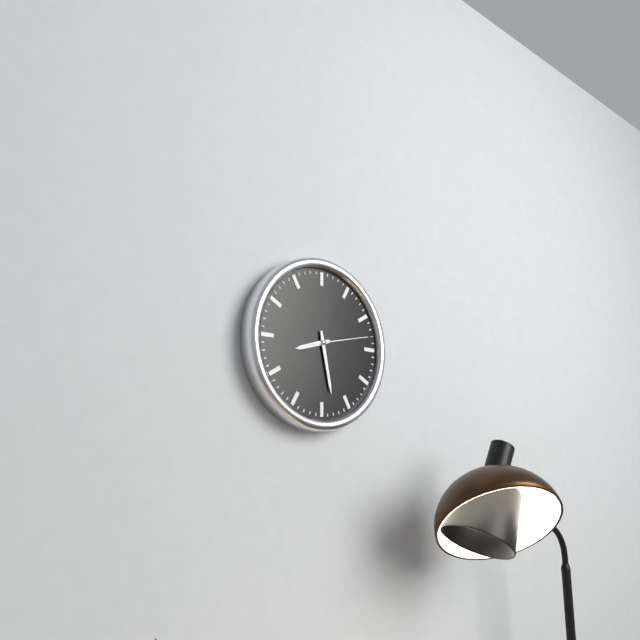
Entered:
8h28m13s
